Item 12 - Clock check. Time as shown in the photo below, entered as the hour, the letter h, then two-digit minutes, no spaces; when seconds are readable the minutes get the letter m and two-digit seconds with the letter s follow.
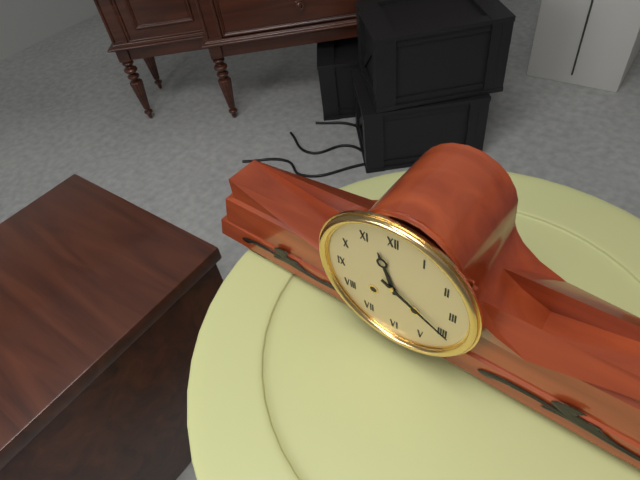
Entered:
11h20
